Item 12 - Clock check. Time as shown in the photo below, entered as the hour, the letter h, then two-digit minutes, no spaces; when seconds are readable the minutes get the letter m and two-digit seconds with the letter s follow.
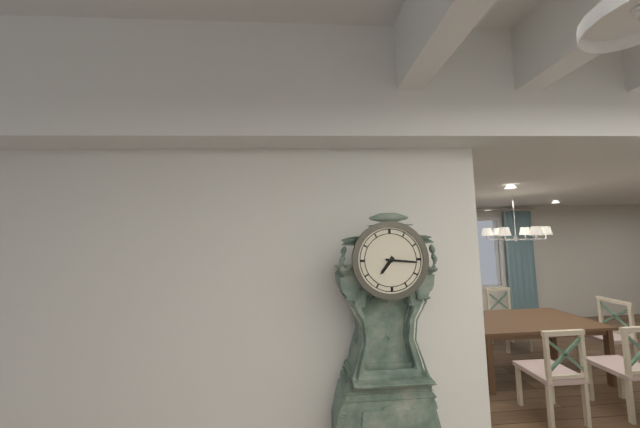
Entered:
7h16
